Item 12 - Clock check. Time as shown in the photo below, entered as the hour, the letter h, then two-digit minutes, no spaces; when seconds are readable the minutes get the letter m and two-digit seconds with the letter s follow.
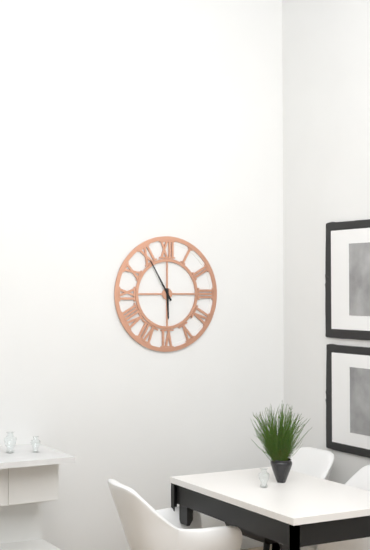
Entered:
5h55
